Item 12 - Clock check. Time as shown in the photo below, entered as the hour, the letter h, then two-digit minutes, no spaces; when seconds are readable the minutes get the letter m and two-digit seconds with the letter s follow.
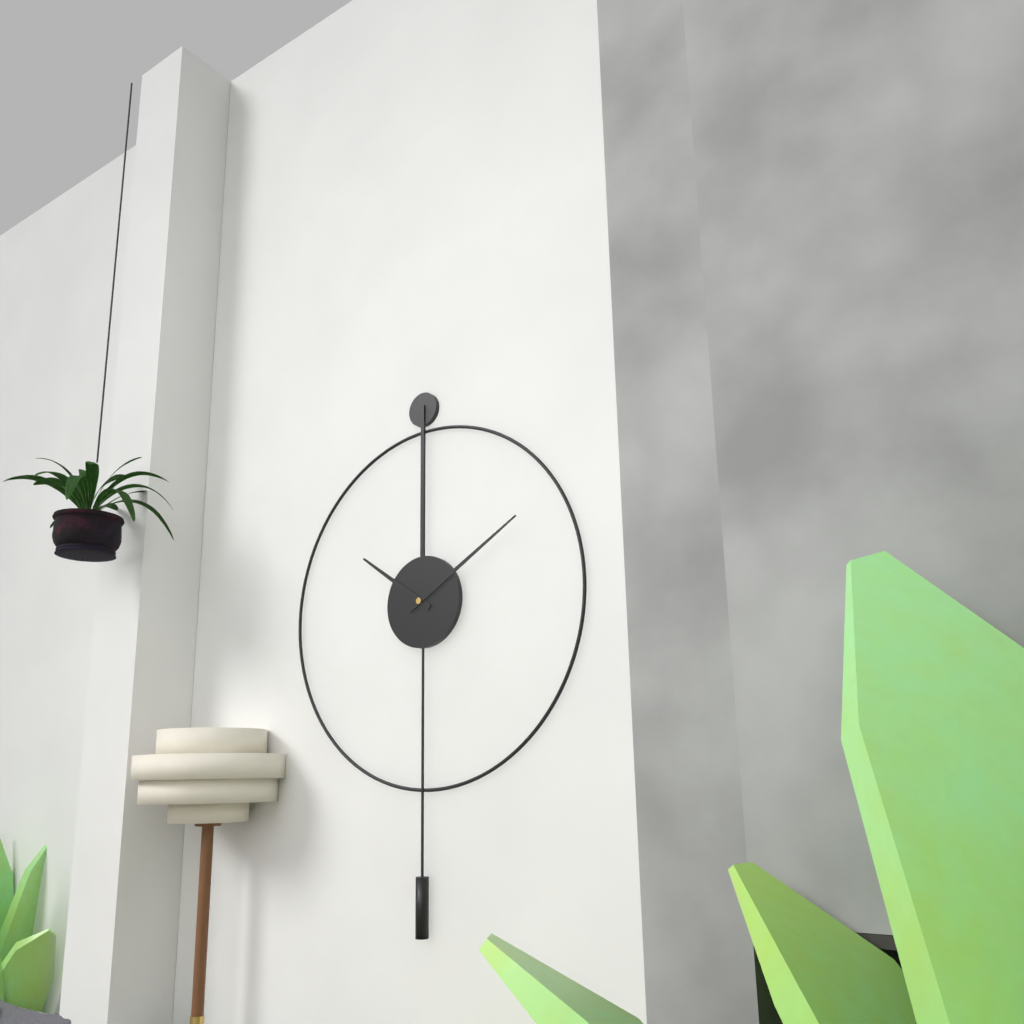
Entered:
10h10
